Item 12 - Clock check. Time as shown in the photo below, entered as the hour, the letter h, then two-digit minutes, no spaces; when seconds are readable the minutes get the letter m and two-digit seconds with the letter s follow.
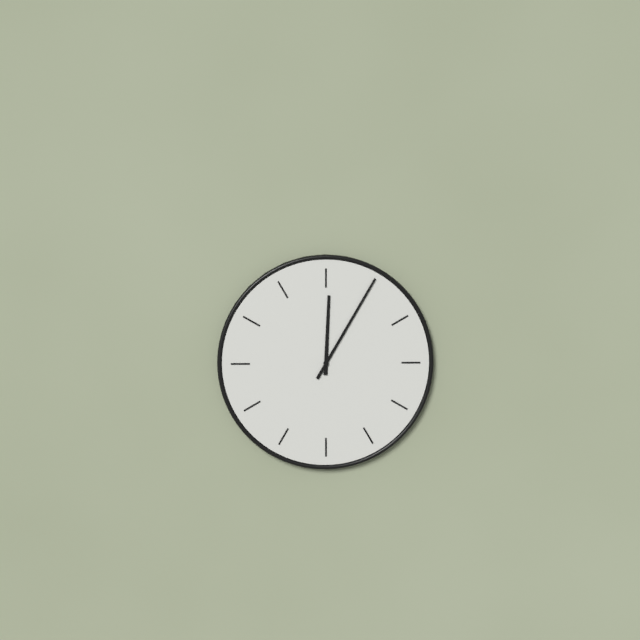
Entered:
12h05
